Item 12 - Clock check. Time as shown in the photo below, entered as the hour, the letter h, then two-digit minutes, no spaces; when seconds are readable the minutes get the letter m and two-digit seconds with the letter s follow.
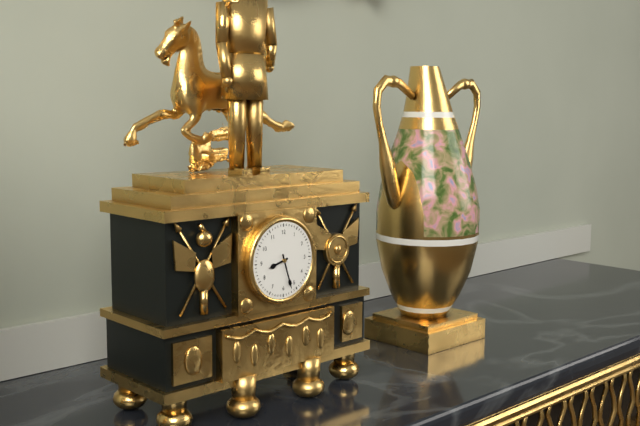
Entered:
8h27
